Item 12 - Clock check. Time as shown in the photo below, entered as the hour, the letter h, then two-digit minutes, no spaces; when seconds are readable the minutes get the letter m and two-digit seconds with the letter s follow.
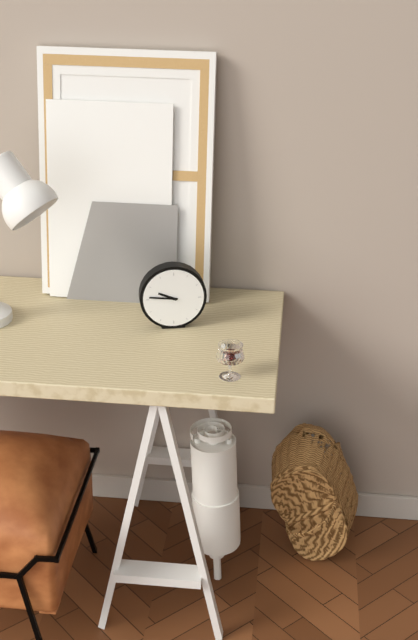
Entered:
9h46
